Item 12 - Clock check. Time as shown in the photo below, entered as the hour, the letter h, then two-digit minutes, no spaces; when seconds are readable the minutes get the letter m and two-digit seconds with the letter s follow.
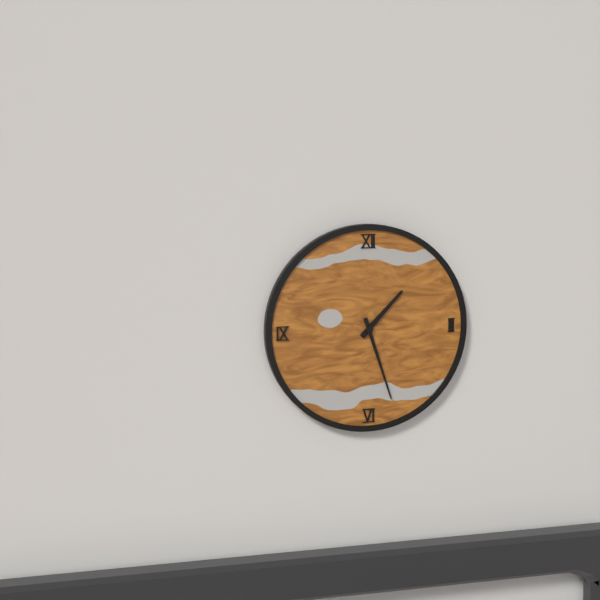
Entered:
1h27
